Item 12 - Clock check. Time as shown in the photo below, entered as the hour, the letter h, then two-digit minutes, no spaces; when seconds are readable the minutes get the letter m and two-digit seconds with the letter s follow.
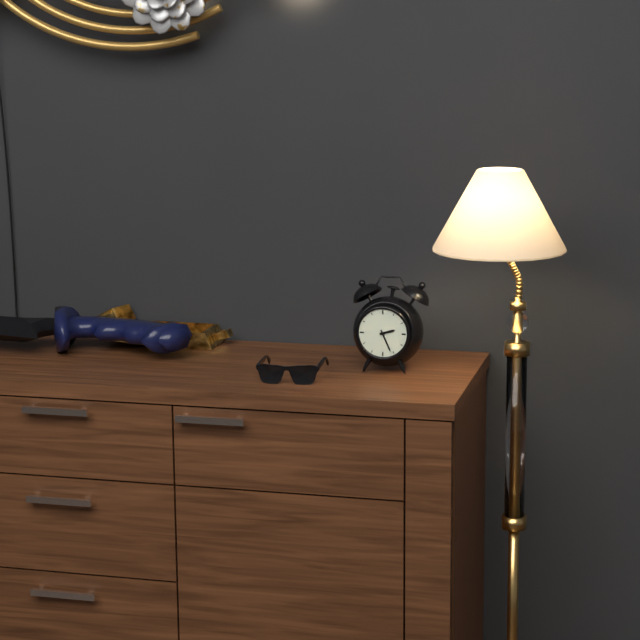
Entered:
2h26
